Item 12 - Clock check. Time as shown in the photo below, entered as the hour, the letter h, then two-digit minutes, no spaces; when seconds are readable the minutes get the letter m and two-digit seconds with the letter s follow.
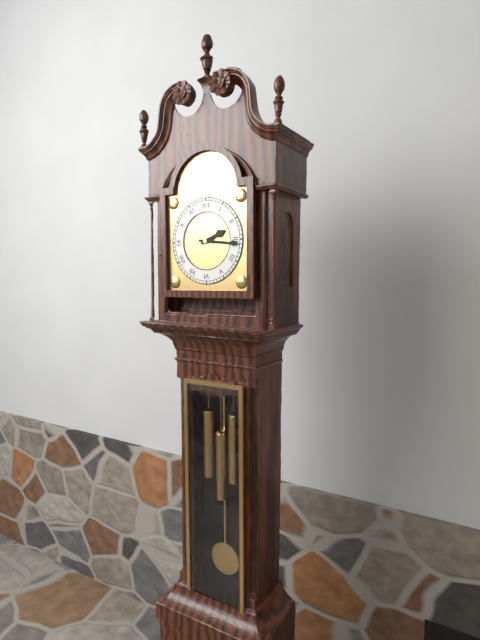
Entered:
2h16
